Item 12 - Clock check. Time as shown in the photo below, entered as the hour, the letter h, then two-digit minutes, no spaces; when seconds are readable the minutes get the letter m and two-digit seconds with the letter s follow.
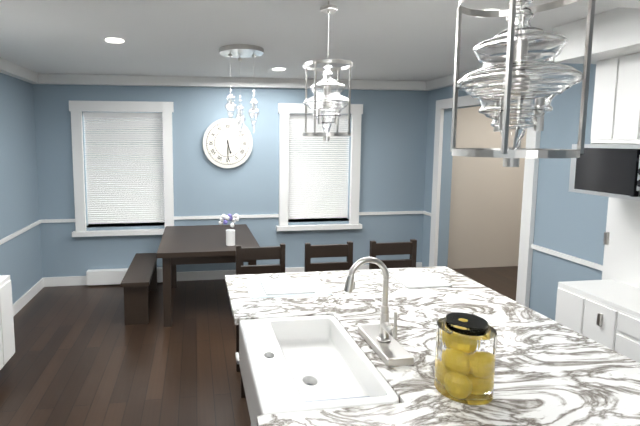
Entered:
5h30
